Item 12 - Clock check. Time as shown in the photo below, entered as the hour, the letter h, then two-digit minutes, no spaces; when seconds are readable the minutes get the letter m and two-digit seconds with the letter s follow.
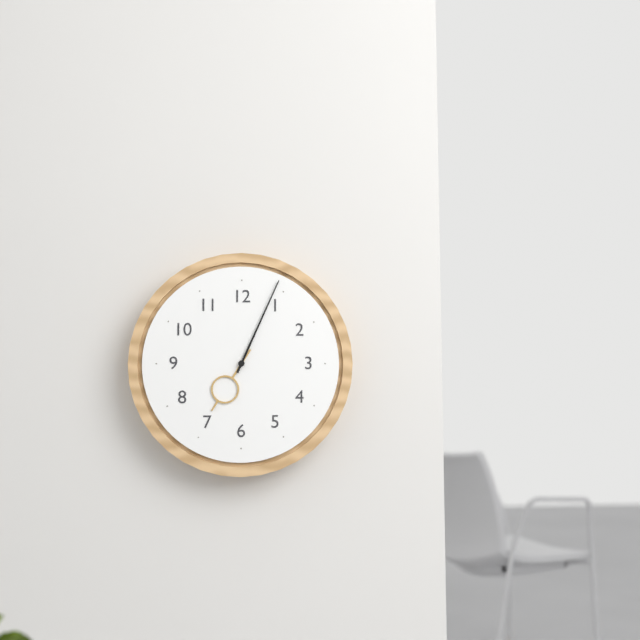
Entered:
7h04
